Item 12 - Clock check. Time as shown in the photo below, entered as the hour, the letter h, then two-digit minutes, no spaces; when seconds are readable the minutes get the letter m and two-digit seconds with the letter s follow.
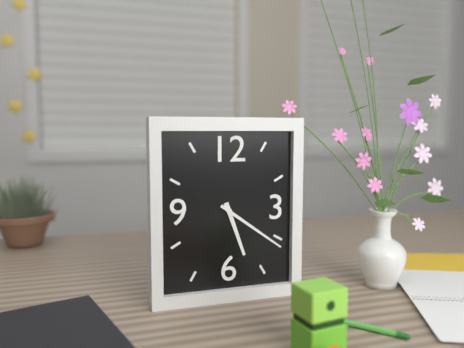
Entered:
5h21
